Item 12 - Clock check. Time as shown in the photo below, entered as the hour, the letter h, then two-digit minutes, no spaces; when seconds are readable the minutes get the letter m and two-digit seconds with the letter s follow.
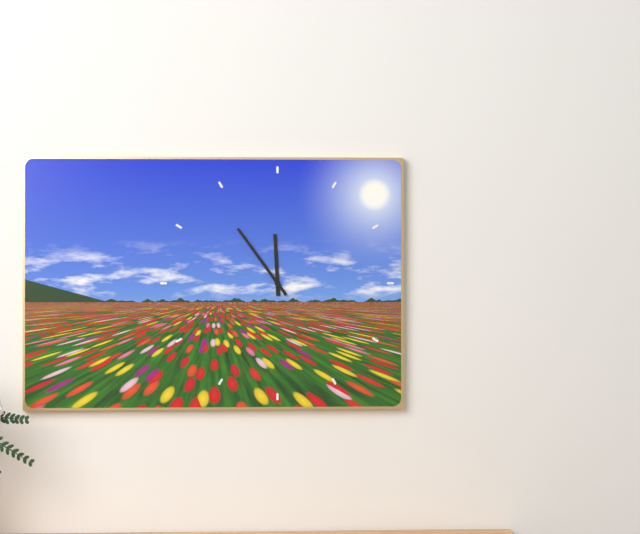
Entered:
11h54
